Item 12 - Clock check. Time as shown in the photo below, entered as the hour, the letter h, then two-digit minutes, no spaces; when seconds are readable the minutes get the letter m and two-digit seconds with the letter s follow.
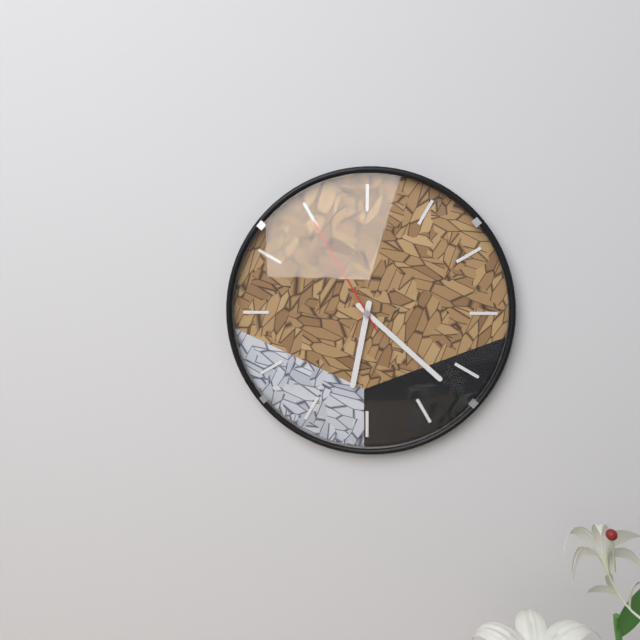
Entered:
6h22m55s
